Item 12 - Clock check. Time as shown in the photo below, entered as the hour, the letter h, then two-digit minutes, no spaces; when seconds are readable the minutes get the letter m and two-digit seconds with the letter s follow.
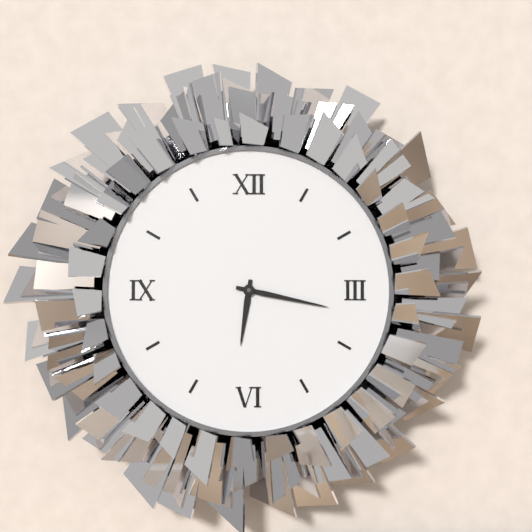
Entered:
6h17
